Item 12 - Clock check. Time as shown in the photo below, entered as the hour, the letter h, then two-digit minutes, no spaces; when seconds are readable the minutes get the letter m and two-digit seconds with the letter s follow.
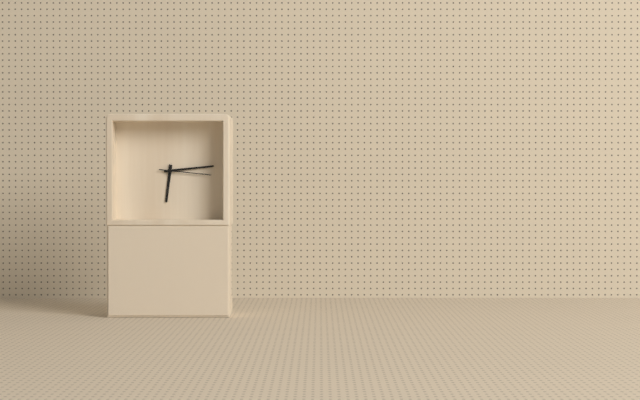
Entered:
6h14m16s
